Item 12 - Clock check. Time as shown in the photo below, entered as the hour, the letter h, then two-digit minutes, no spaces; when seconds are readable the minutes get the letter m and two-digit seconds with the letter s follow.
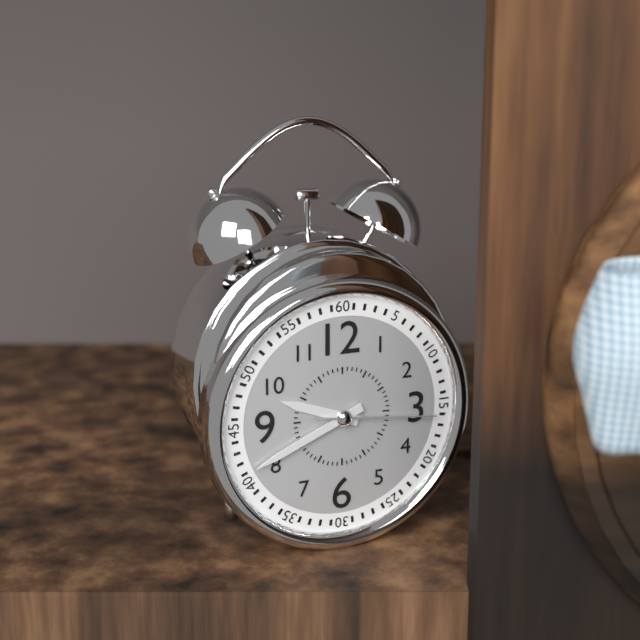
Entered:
9h41m16s
